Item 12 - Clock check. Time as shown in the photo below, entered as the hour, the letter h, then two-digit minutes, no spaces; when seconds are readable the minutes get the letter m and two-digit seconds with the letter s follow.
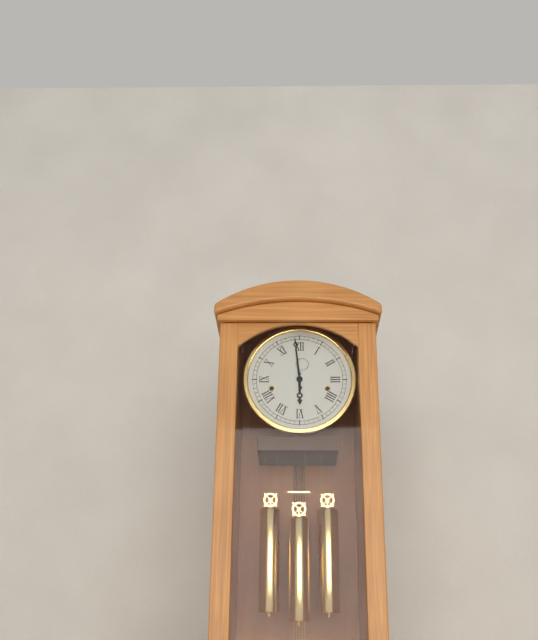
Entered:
5h59
